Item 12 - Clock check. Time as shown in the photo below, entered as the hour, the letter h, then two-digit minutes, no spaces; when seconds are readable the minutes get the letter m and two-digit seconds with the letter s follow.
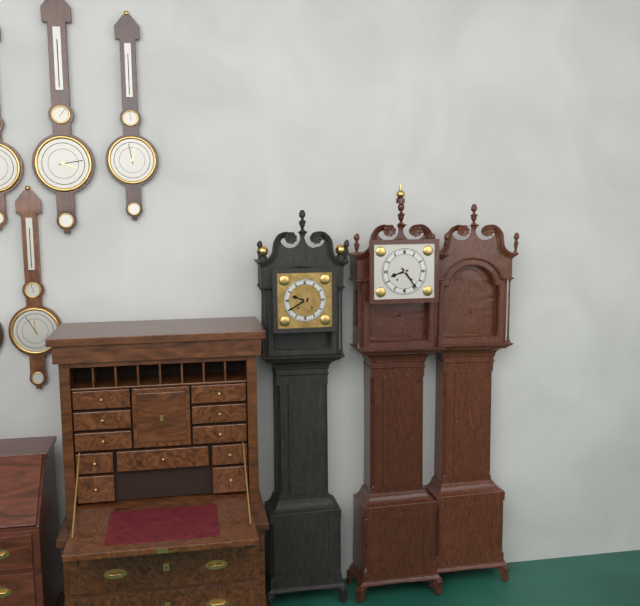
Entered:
8h24
